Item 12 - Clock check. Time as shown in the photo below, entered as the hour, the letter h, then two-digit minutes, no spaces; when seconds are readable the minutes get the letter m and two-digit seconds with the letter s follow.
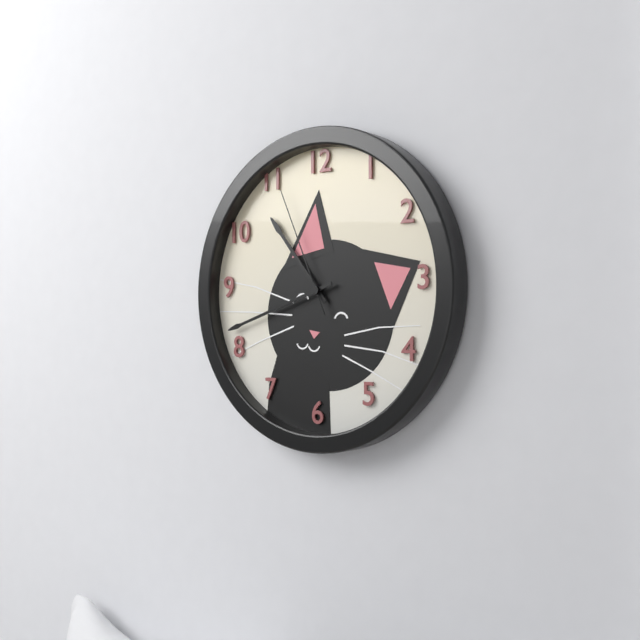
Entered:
10h42m56s
